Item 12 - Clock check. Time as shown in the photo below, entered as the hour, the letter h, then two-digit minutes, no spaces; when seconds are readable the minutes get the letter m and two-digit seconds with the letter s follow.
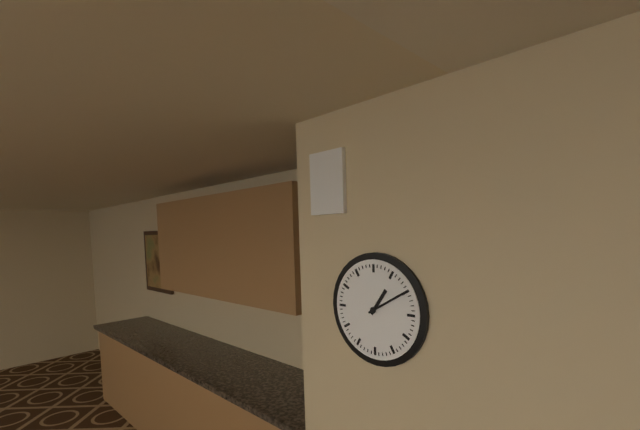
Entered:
1h10
